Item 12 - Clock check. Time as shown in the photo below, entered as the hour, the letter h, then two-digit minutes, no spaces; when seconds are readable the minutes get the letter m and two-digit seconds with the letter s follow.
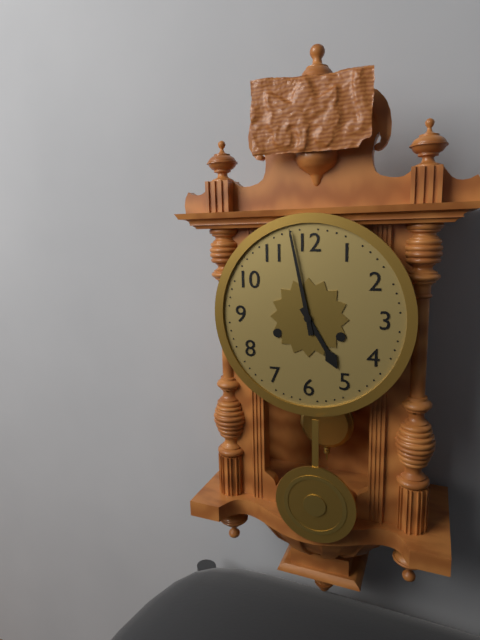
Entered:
4h58
